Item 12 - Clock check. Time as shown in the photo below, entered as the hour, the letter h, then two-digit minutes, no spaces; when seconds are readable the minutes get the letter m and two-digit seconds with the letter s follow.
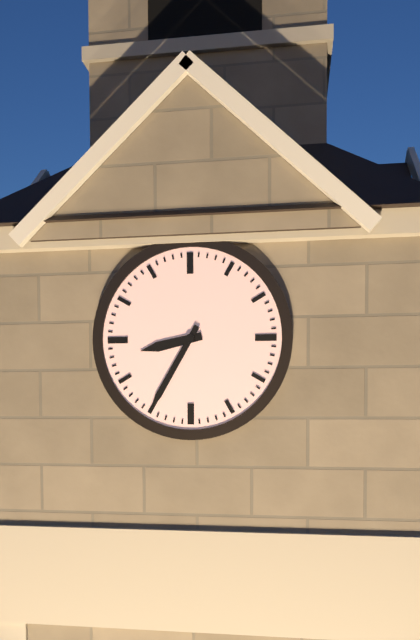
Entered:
8h35
